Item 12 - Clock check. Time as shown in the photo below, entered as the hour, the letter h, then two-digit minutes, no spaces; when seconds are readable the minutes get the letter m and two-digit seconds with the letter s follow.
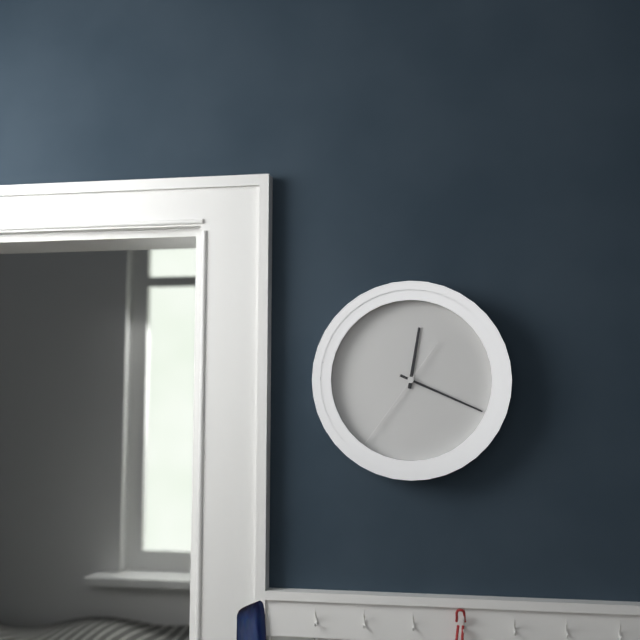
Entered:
12h19m36s
